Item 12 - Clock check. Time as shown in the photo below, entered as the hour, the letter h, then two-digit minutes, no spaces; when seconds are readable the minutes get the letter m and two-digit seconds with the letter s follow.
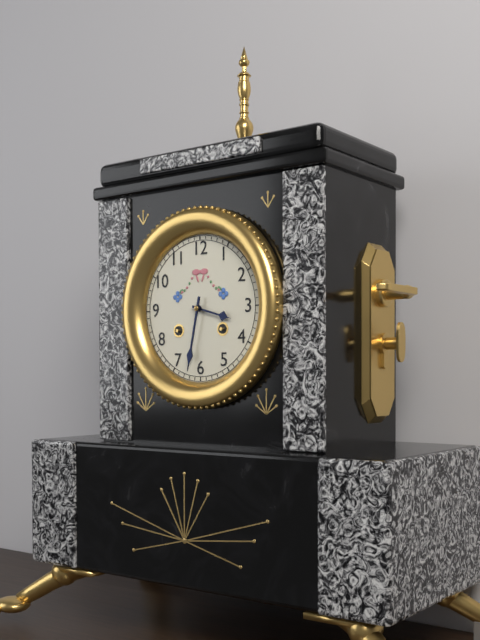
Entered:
3h32
